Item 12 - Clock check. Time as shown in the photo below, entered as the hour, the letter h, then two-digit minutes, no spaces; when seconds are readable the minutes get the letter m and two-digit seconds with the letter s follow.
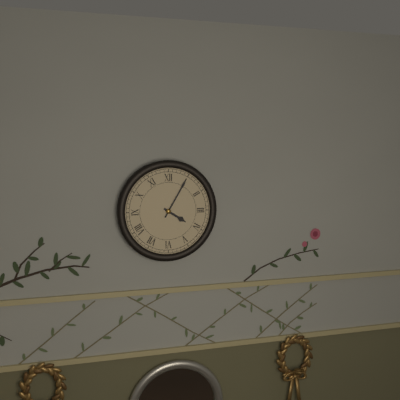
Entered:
4h05
